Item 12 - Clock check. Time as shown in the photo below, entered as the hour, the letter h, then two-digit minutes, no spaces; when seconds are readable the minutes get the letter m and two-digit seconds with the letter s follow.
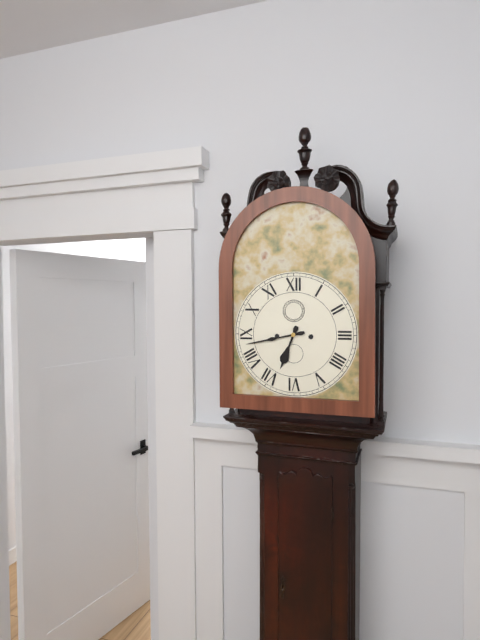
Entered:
6h43
